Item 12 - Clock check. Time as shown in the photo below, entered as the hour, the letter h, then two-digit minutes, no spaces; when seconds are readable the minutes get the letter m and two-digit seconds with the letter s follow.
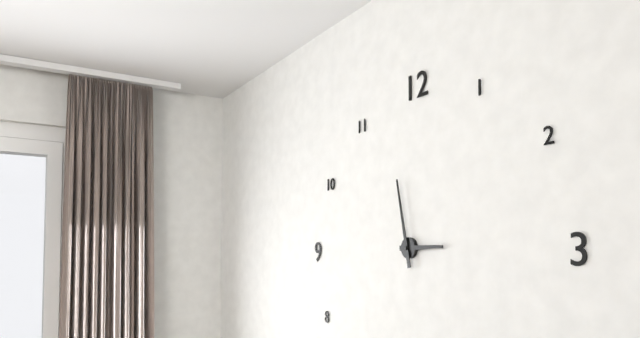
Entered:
2h58
